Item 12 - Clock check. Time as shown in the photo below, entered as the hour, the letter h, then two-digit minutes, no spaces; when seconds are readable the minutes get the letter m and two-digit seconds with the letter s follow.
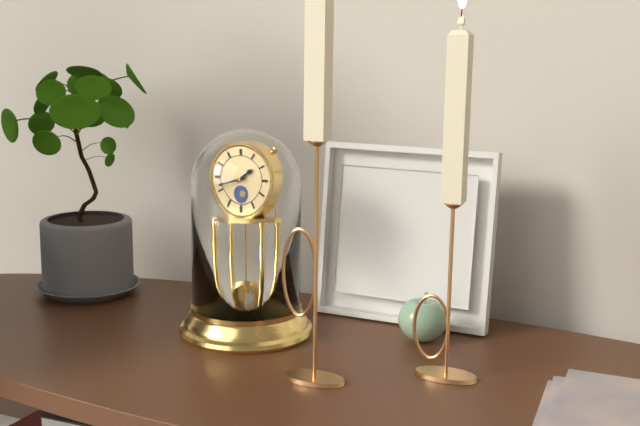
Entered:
1h42
